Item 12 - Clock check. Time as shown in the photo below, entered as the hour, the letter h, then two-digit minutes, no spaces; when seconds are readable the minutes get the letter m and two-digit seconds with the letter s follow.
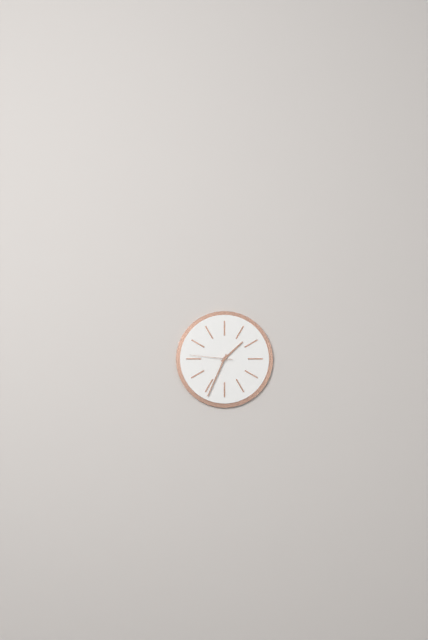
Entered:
1h34
